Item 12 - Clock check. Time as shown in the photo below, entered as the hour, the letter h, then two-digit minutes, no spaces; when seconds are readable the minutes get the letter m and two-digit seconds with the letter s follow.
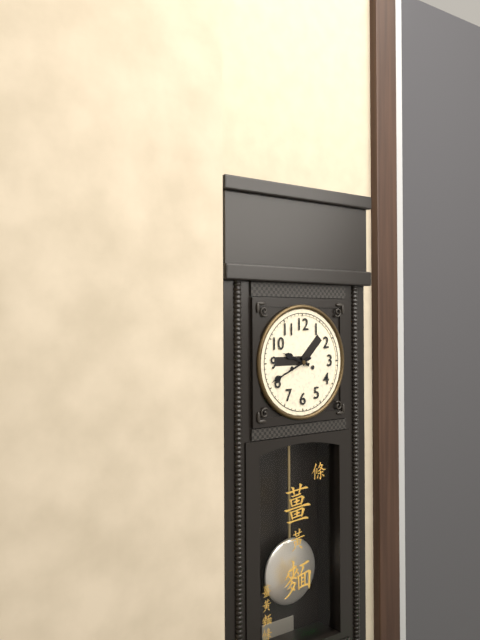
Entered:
9h41
